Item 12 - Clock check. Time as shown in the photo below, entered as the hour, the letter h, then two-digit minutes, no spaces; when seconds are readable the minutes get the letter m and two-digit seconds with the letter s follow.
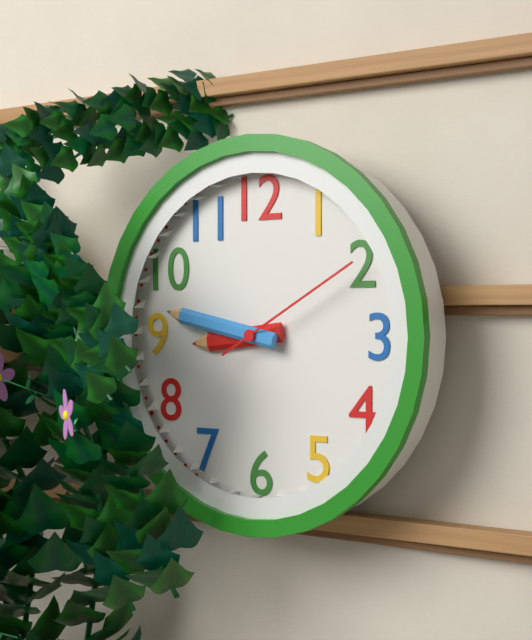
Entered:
8h47m10s
